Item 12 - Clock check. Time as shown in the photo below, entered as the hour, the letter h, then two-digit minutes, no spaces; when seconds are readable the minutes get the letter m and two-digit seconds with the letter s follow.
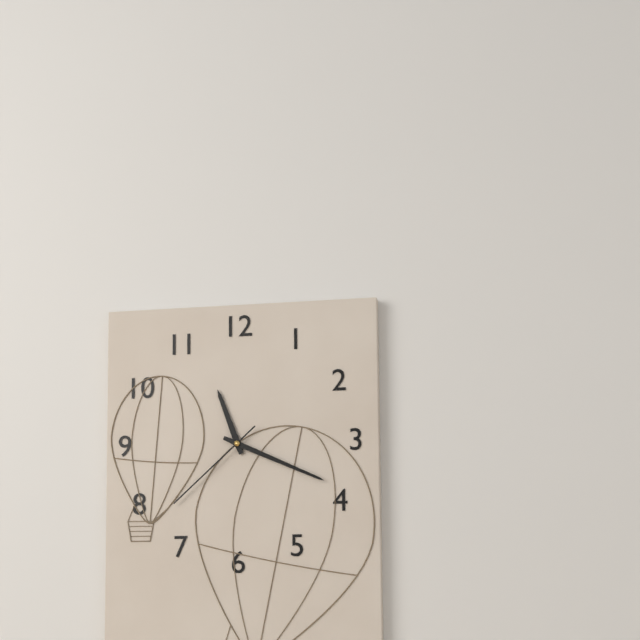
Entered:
11h19m38s
